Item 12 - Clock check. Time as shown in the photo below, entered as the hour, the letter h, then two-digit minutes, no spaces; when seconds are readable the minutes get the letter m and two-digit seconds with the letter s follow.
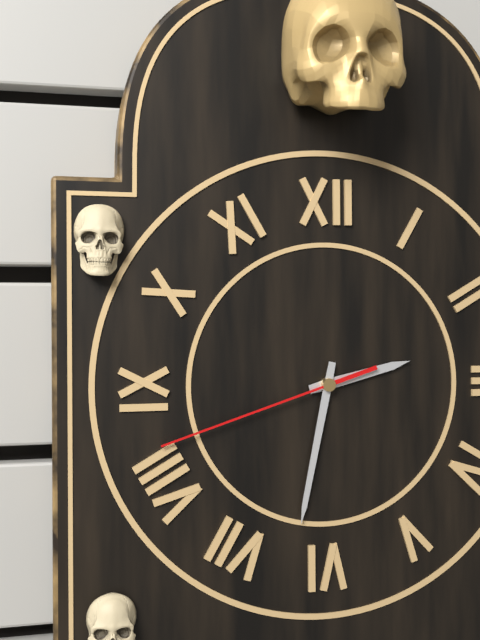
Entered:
2h32m42s
